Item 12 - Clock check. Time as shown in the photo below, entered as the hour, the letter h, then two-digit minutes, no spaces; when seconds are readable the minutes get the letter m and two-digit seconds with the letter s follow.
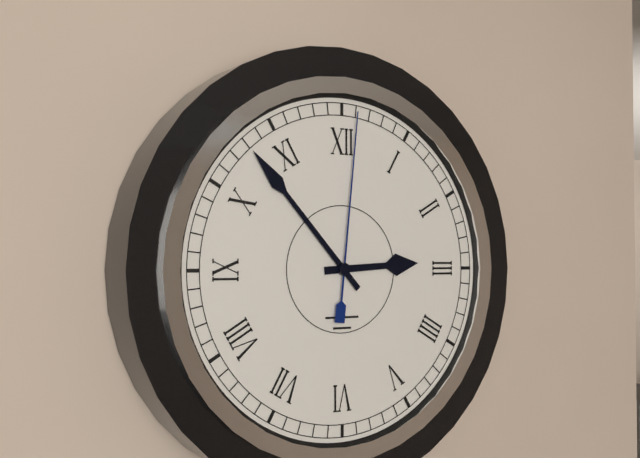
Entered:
2h53m01s
